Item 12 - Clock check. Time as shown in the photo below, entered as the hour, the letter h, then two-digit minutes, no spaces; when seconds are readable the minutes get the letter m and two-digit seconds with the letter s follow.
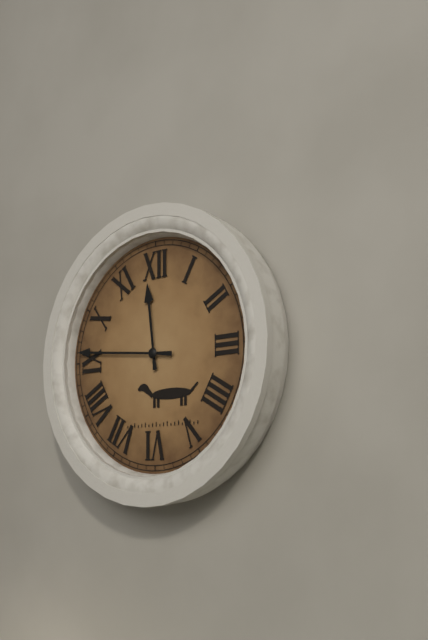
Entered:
11h46
